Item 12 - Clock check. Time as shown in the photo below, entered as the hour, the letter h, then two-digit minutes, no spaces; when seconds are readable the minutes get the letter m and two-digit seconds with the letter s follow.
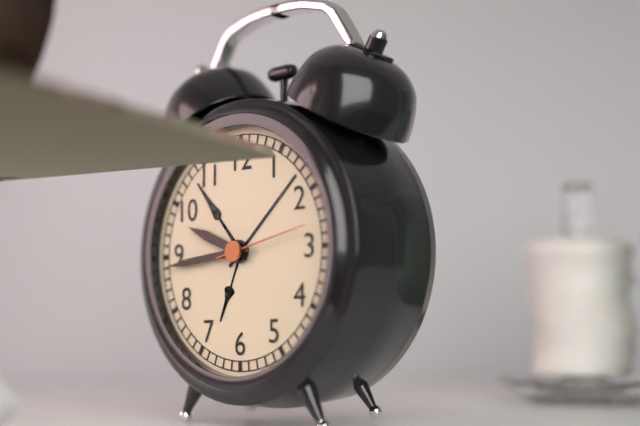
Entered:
9h44m13s
